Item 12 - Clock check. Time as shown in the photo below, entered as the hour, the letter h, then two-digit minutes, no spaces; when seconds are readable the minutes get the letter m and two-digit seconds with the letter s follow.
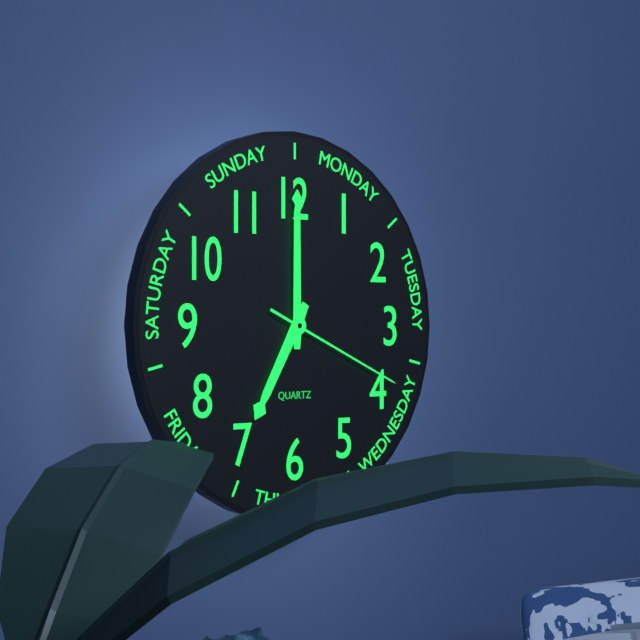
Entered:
7h00m19s
